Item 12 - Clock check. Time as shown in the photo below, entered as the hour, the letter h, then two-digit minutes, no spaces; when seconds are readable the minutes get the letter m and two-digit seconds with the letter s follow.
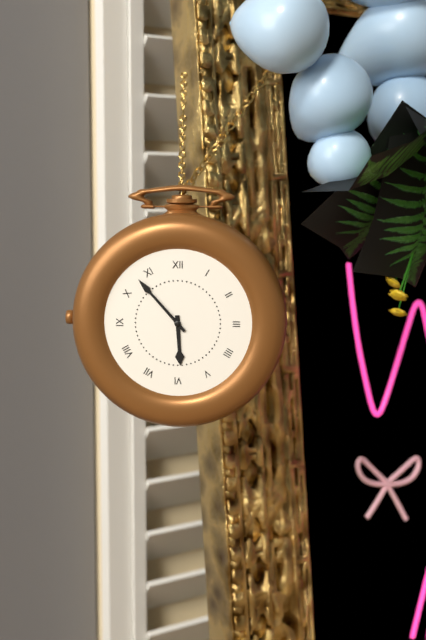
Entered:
5h53
